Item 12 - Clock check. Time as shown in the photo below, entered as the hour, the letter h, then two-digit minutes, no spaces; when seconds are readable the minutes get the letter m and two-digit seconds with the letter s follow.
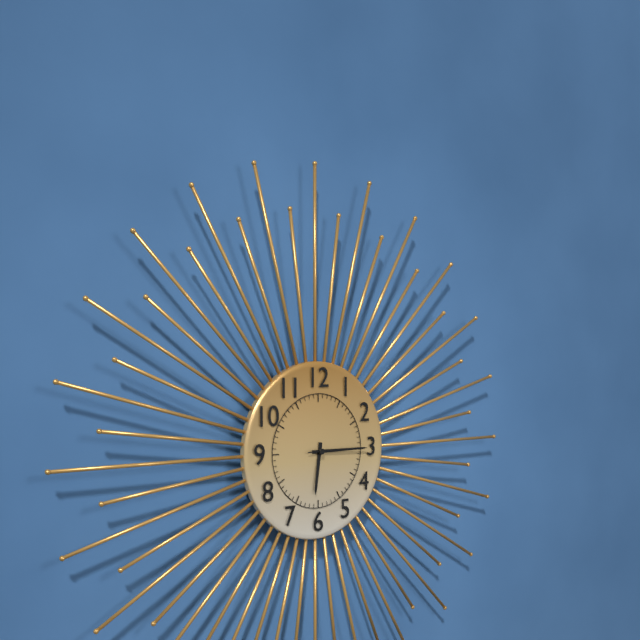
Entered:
6h15m15s
